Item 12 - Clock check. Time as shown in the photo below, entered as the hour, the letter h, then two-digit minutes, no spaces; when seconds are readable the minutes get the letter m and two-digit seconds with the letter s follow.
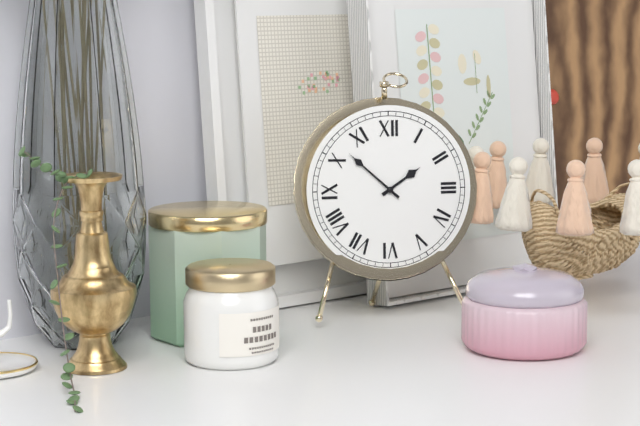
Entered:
1h52
